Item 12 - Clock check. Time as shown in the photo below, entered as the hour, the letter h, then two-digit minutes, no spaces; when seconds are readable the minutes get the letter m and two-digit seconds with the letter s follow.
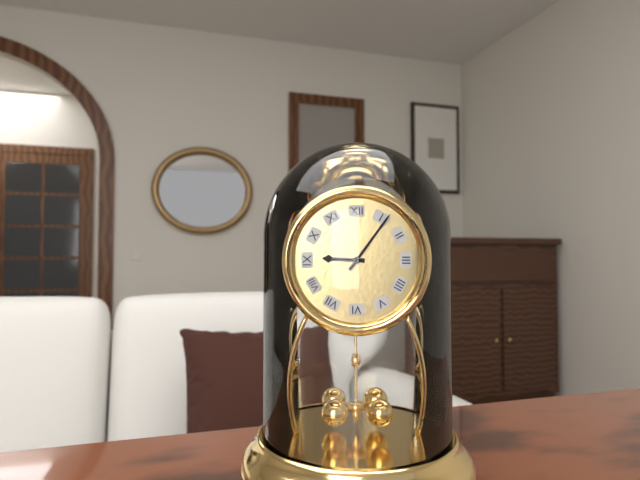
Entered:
9h06
